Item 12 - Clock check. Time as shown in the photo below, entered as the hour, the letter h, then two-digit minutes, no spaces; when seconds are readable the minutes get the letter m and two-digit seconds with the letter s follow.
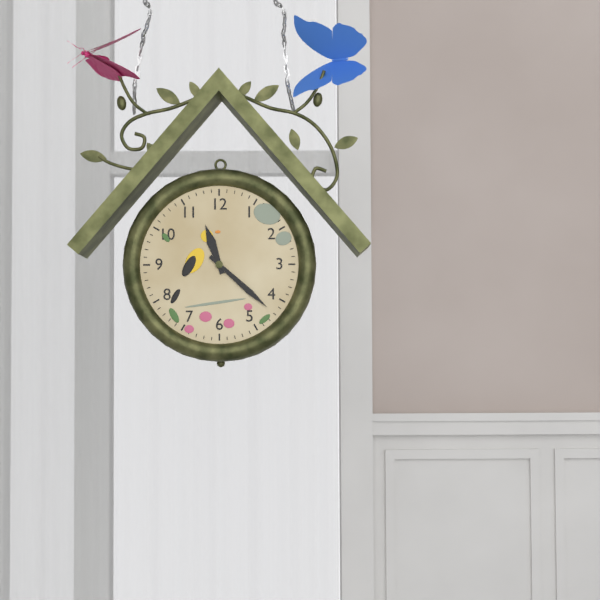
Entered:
11h22
